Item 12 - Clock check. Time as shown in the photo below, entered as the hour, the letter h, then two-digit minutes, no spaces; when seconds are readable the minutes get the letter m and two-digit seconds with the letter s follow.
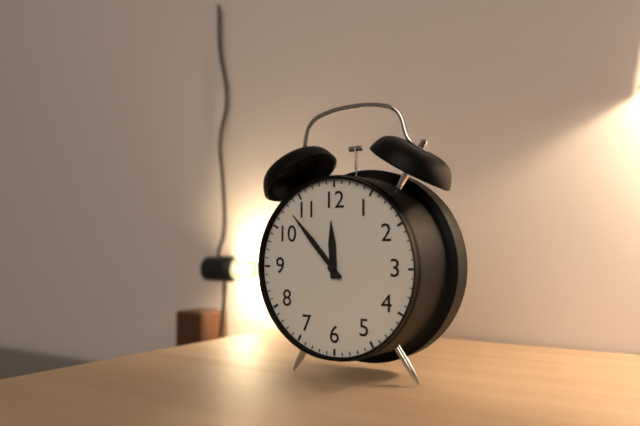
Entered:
11h53
